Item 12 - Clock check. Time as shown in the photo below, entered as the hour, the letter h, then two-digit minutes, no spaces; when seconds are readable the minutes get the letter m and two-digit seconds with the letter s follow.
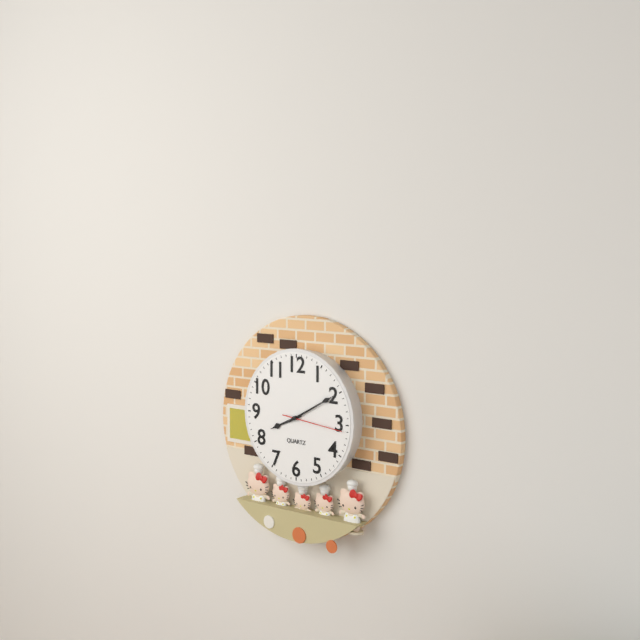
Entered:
8h10m16s
